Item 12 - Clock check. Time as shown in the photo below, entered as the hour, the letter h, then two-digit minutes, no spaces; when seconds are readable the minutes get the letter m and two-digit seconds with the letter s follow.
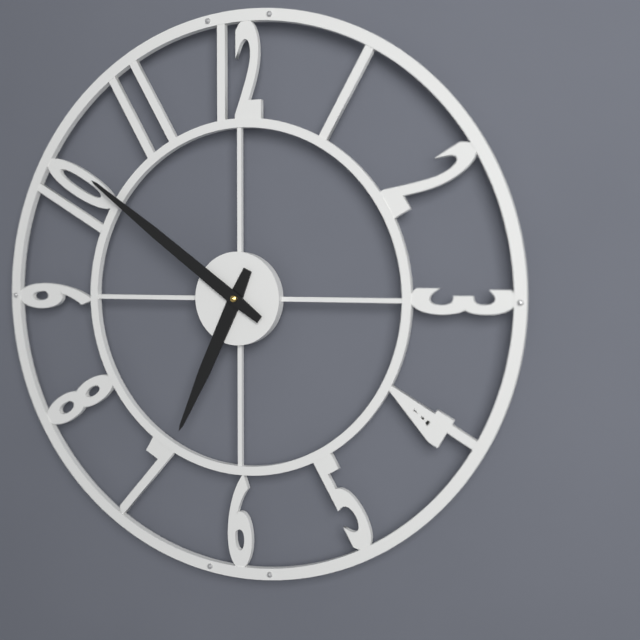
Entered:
6h51
